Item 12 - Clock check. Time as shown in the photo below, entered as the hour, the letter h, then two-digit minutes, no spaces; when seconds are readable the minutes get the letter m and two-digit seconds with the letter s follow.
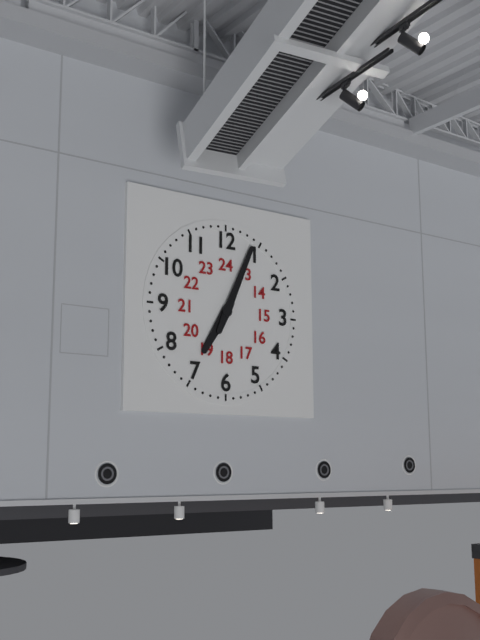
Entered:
7h04
